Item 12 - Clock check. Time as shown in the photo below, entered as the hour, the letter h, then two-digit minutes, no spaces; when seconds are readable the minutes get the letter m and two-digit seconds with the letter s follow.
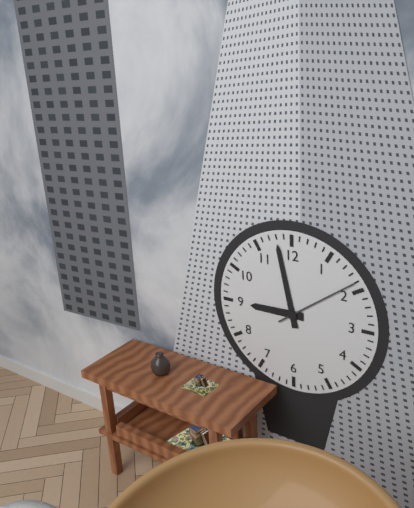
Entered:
8h58m09s
